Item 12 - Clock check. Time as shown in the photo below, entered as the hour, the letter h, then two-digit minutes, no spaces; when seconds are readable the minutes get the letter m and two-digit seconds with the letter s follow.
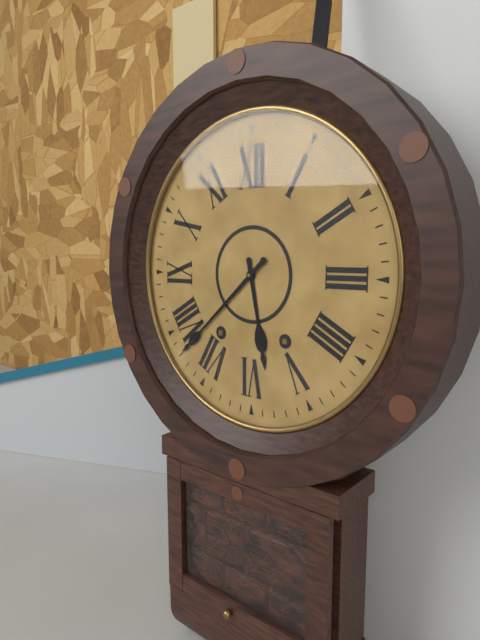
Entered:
5h38
